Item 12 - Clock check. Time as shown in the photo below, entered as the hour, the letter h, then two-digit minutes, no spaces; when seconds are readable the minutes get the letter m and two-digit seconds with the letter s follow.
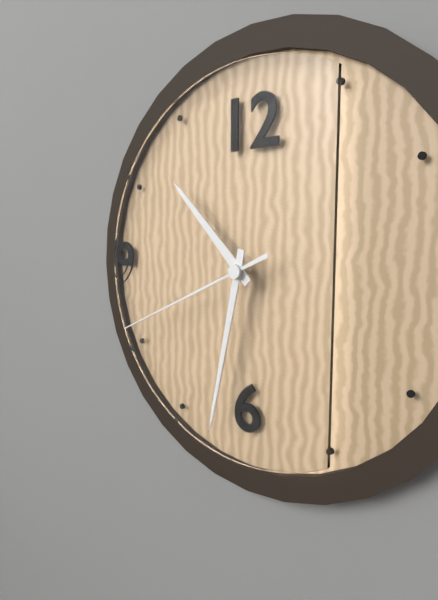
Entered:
10h32m41s
